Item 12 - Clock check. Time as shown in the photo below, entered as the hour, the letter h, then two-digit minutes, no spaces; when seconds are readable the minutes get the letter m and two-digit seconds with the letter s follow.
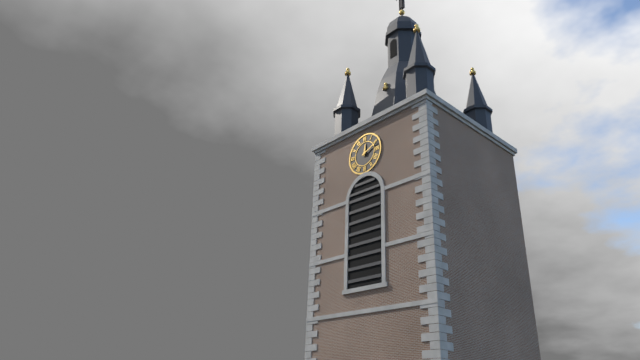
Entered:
12h11
